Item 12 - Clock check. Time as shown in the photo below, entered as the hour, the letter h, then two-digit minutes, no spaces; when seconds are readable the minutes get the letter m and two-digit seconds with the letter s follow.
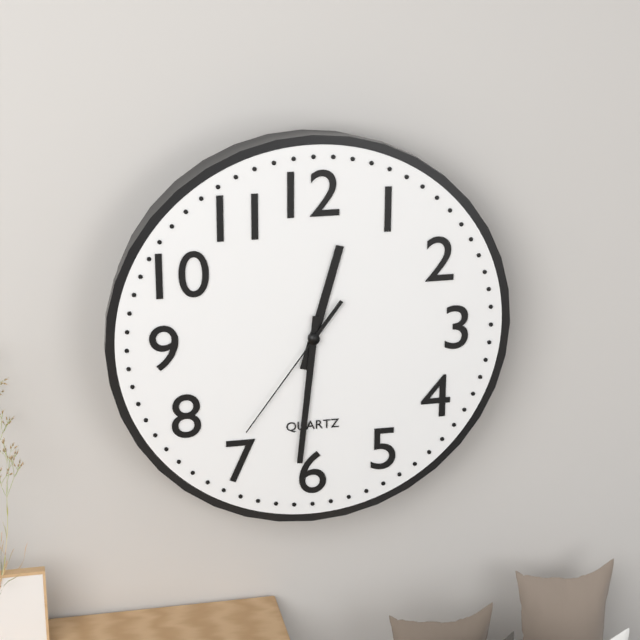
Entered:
12h31m36s
